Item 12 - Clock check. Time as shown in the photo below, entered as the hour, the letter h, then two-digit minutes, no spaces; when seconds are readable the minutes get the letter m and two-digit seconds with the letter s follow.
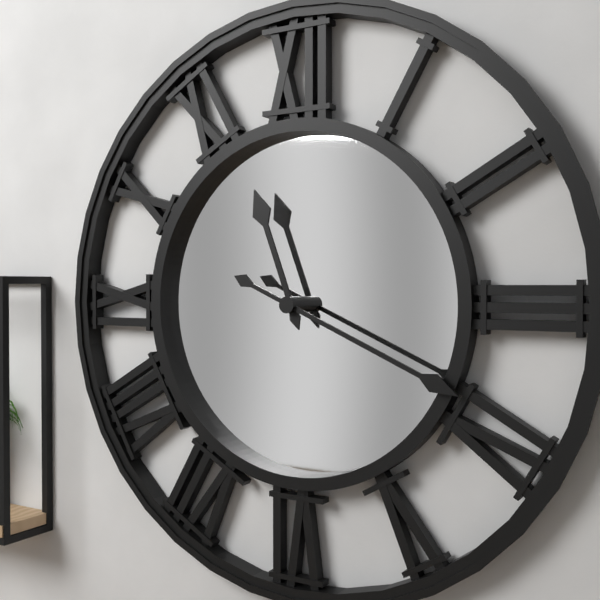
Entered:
11h19
